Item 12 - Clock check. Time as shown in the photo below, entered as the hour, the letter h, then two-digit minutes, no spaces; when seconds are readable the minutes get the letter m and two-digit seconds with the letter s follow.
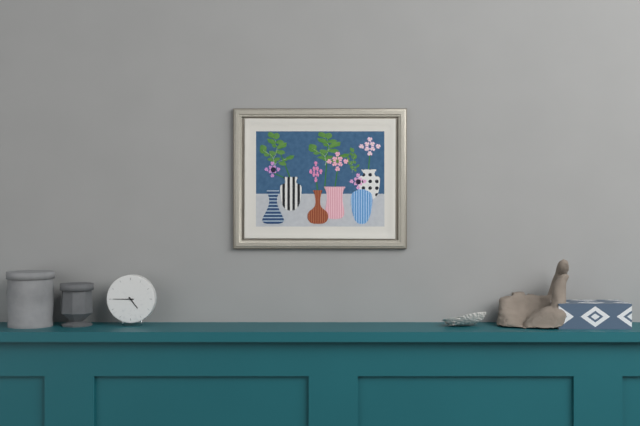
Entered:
4h45
